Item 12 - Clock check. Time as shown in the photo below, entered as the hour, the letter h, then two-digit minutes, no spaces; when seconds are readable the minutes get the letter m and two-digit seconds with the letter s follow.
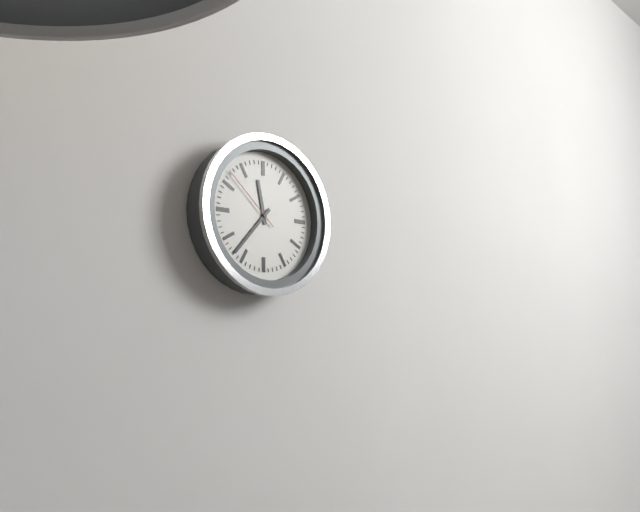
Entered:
11h37m52s
